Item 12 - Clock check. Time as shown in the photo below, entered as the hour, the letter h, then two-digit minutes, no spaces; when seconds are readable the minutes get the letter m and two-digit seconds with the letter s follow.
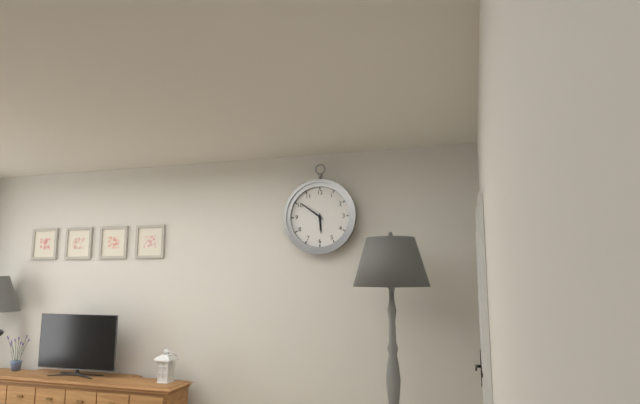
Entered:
5h51
